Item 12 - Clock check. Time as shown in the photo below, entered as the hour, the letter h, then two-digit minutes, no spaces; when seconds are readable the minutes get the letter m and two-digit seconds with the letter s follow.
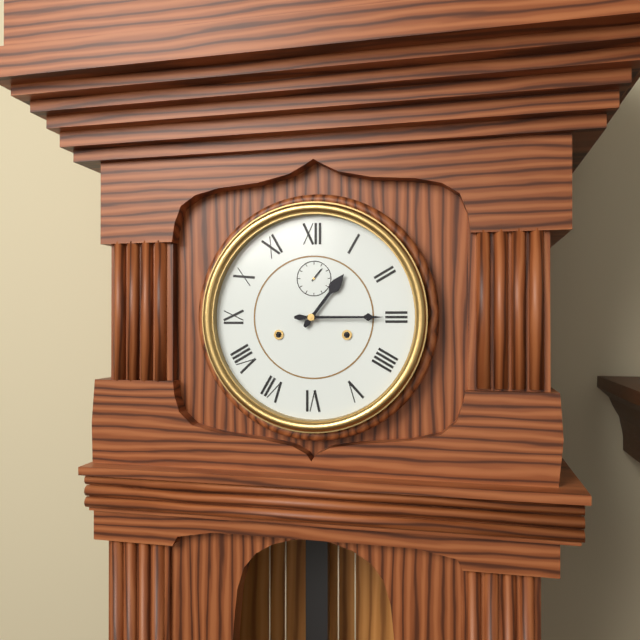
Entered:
1h15
